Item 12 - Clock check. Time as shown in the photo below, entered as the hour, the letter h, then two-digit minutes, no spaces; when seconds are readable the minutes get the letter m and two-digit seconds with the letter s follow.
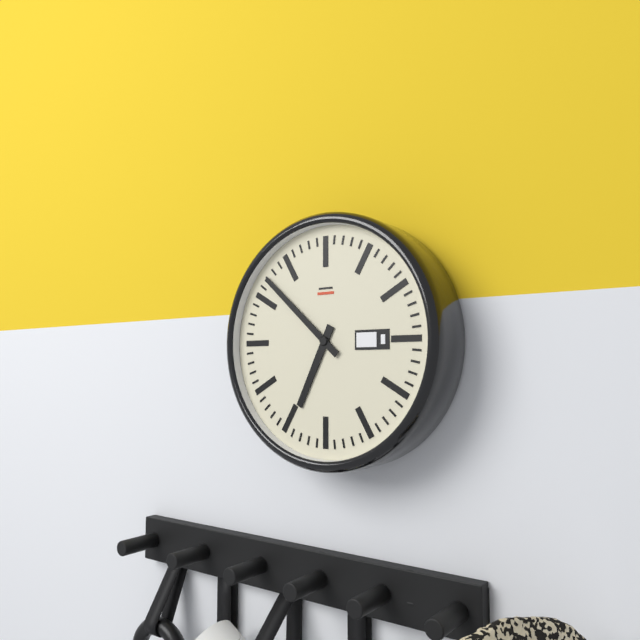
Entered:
6h52
